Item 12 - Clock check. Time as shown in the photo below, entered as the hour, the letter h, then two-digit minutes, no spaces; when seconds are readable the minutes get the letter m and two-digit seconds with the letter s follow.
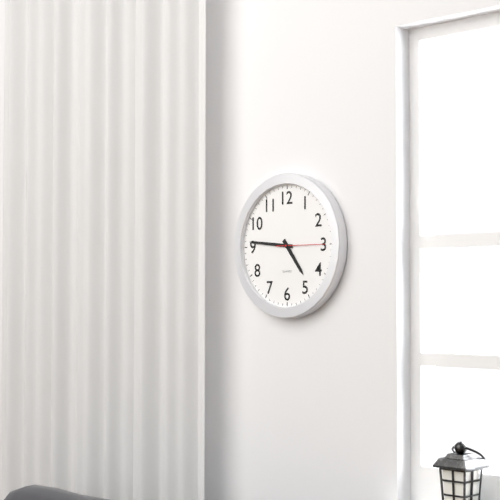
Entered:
4h46
